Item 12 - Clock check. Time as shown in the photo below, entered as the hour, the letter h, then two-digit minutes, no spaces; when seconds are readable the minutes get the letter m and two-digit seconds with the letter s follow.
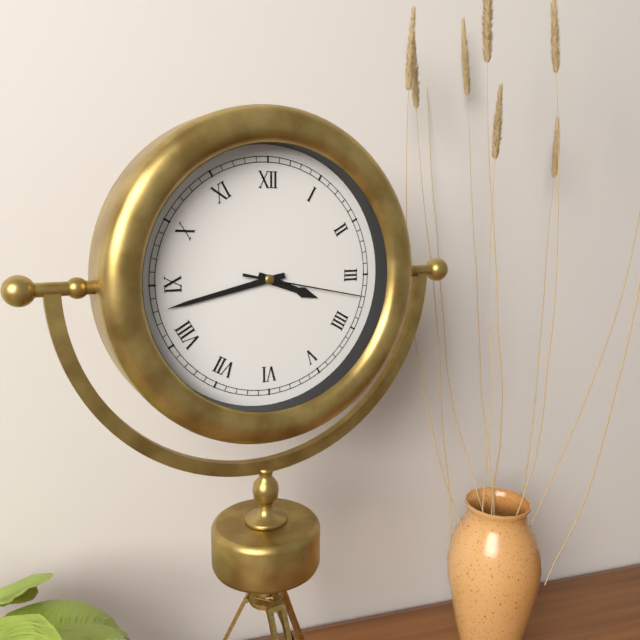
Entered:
3h43m17s
